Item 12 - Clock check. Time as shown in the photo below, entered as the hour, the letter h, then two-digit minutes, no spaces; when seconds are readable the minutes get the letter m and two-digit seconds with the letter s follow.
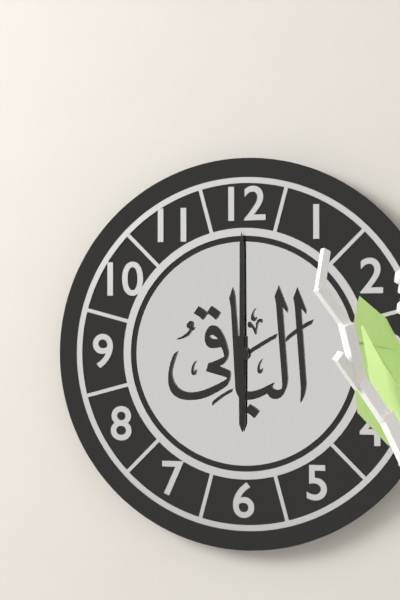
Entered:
6h00
